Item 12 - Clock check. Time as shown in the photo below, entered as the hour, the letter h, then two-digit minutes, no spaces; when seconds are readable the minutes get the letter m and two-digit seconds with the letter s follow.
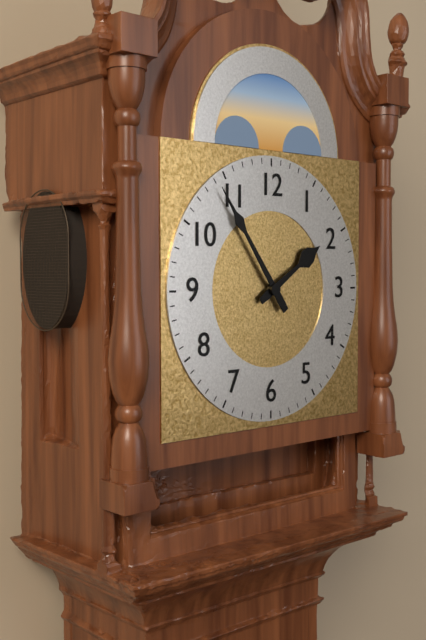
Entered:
1h54
